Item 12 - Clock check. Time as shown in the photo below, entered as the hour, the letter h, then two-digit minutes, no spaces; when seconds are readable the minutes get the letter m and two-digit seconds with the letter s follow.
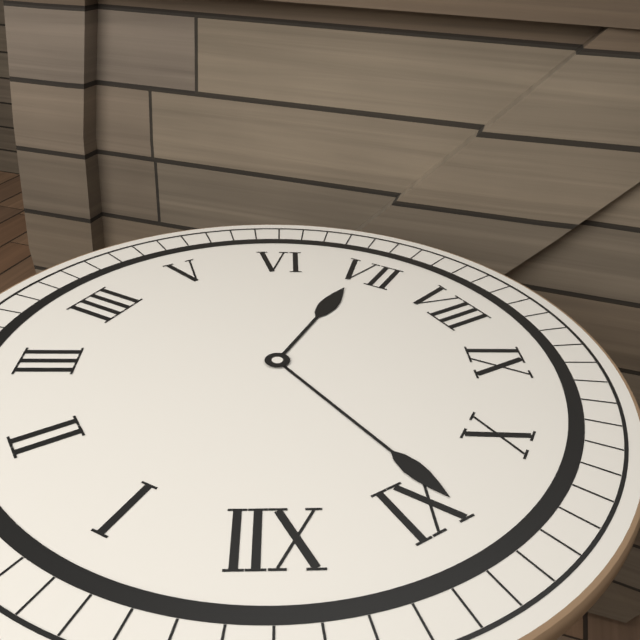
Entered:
6h54
